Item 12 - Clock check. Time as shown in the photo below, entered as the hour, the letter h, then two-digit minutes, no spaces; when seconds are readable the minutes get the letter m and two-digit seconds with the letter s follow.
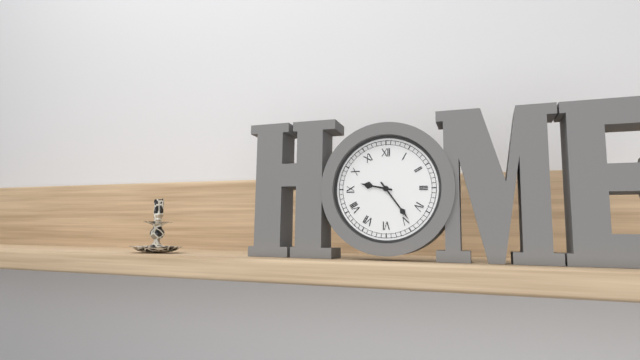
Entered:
9h24
